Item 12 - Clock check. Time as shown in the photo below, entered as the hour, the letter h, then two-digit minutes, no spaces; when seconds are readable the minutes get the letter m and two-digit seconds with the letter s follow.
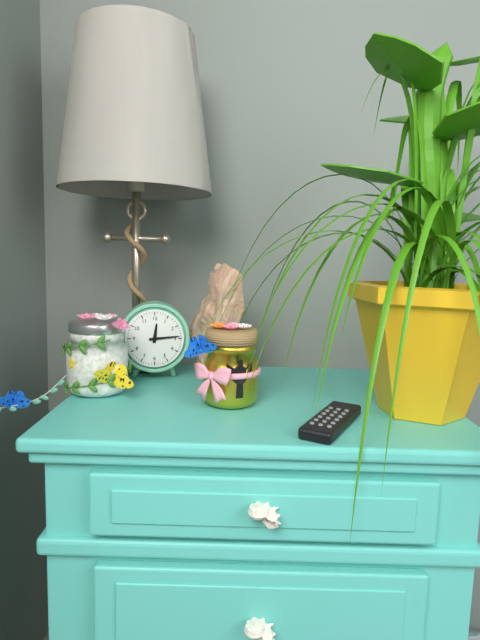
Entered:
12h14
